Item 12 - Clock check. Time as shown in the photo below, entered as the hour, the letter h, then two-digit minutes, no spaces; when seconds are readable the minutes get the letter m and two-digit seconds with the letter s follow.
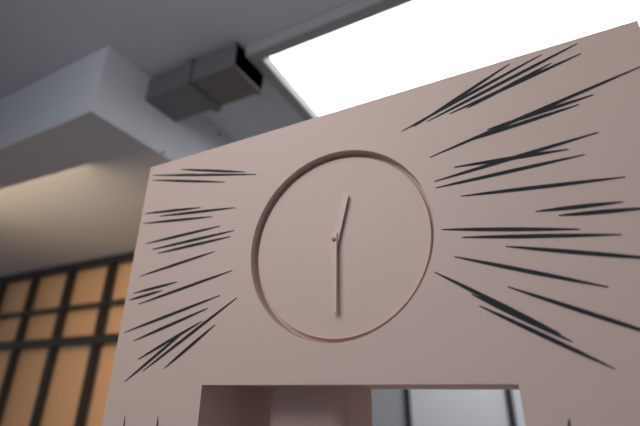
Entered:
12h30
